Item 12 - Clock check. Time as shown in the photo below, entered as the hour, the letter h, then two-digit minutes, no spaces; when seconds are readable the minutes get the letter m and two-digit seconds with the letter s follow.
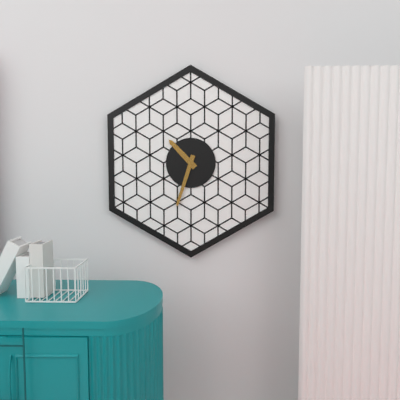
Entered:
10h33
